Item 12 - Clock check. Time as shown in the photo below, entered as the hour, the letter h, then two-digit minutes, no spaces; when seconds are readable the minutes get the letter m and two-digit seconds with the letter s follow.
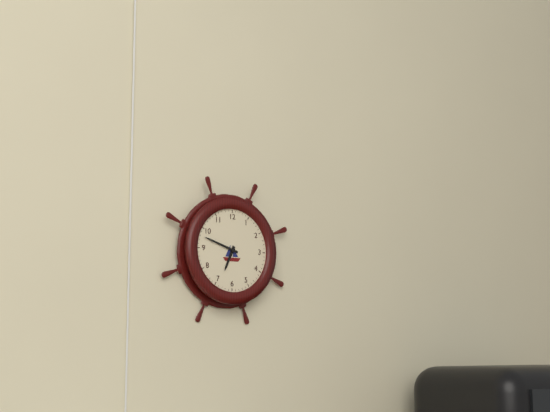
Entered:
6h48
